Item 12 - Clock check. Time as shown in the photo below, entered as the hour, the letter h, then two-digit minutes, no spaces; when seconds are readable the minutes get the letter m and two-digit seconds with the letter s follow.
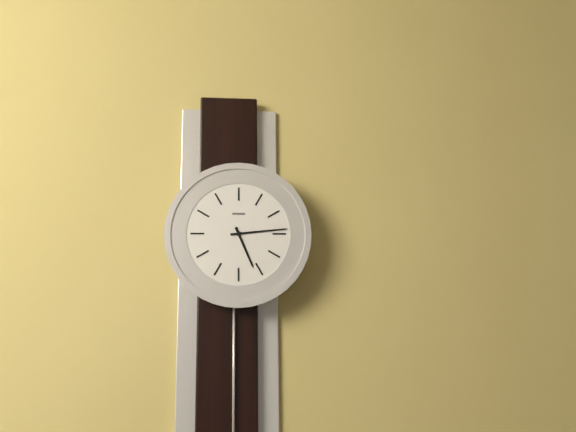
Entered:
5h14
